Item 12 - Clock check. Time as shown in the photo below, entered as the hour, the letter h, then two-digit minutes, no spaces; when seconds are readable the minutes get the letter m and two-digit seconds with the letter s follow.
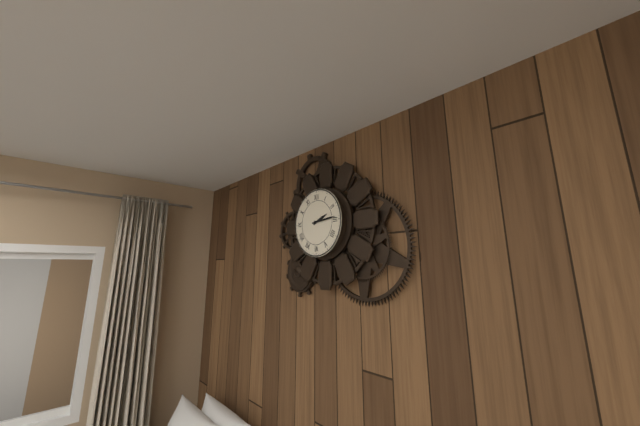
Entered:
2h14
